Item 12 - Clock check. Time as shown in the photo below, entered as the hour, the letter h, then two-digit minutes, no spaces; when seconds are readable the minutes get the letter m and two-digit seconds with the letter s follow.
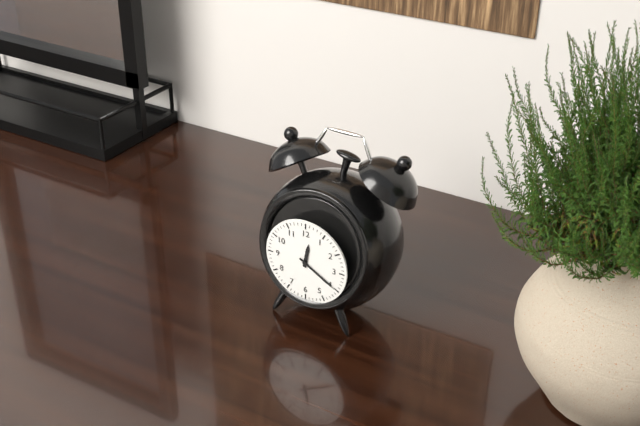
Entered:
12h20
